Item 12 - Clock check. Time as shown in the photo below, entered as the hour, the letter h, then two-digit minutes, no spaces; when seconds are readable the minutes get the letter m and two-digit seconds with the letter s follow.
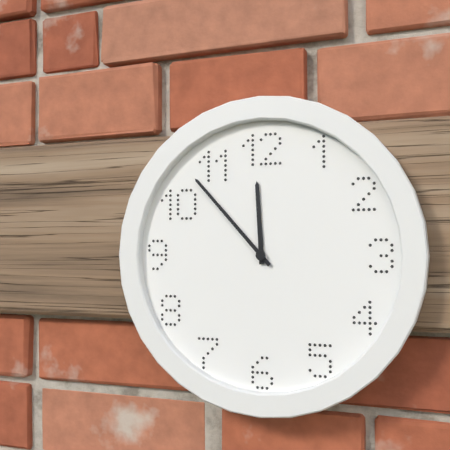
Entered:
11h53
